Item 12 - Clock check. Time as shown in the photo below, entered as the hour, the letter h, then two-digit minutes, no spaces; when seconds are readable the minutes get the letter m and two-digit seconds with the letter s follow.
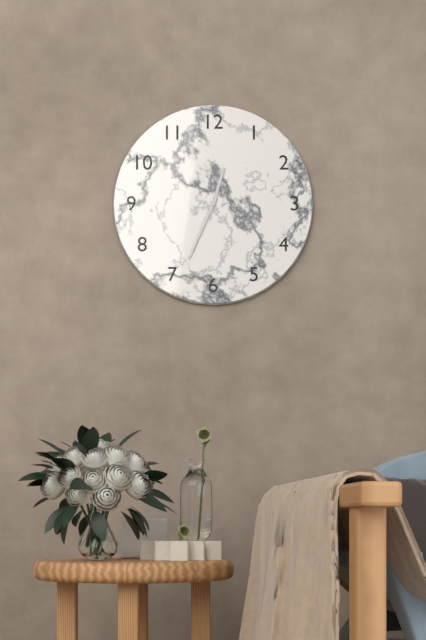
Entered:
12h34
